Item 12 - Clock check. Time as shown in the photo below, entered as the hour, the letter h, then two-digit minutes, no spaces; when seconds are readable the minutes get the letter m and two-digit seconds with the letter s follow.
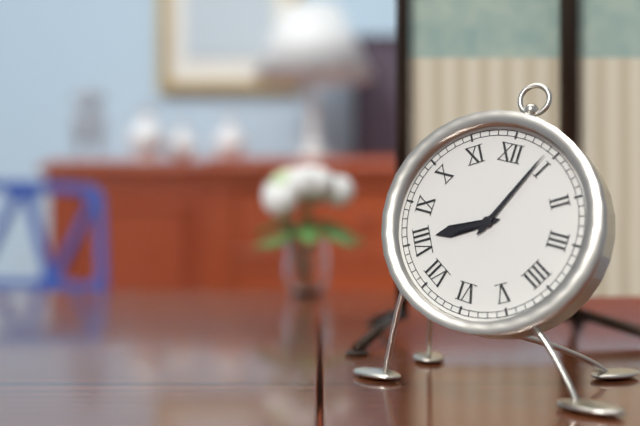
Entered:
8h04
